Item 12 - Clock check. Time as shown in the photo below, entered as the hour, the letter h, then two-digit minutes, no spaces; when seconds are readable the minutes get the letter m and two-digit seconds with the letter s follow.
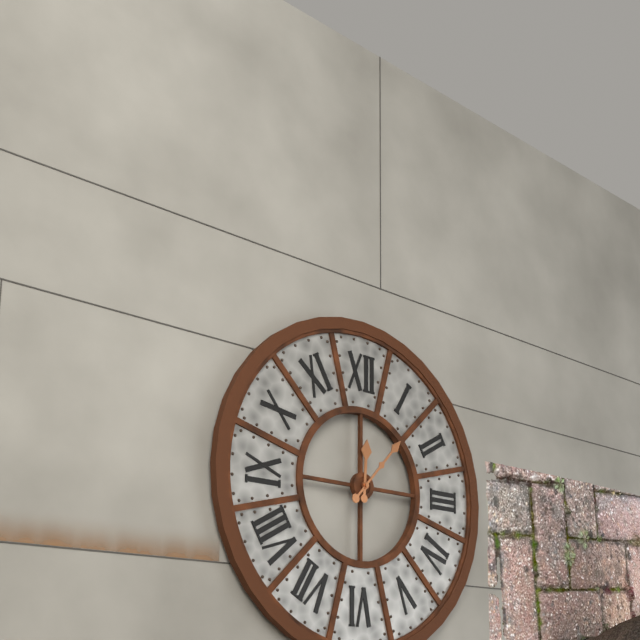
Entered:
12h07
